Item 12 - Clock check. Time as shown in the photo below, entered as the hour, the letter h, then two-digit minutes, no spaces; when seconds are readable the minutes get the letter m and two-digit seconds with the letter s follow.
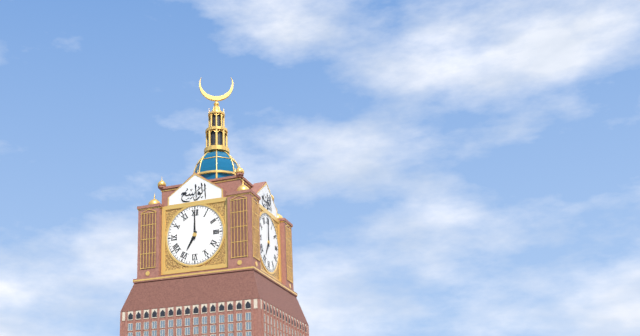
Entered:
7h00
